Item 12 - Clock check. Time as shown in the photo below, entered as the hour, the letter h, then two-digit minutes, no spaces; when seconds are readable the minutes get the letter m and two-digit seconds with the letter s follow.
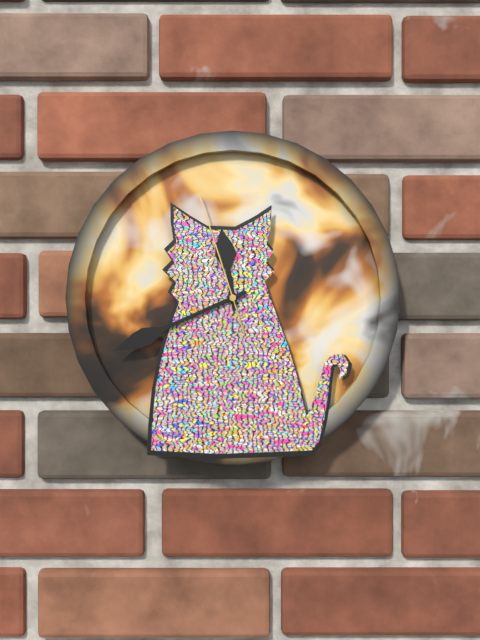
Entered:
11h41m57s
